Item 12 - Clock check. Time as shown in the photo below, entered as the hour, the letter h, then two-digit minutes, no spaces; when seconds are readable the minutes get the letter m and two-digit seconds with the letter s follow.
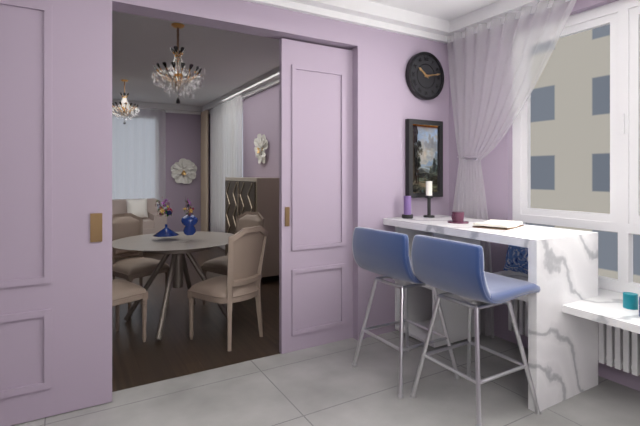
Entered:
10h13
